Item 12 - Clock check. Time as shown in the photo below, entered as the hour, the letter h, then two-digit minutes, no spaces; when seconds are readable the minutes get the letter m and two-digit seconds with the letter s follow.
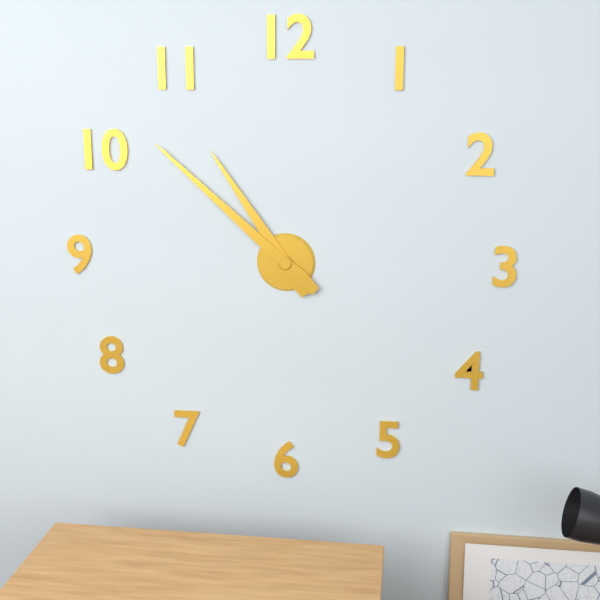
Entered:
10h52
